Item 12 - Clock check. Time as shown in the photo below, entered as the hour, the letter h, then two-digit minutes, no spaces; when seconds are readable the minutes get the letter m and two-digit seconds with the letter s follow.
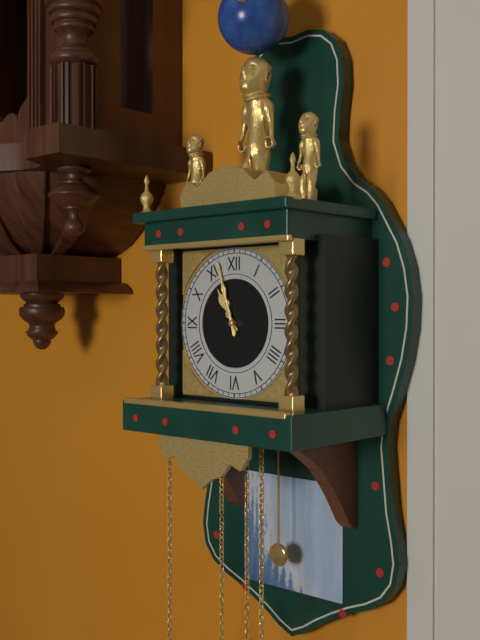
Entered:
10h57
